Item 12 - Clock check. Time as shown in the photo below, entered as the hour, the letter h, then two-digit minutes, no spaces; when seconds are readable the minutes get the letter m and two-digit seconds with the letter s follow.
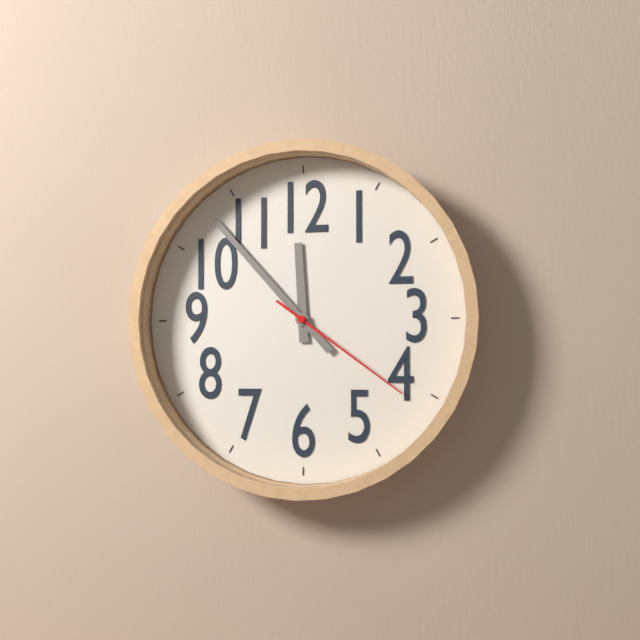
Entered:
11h53m21s
